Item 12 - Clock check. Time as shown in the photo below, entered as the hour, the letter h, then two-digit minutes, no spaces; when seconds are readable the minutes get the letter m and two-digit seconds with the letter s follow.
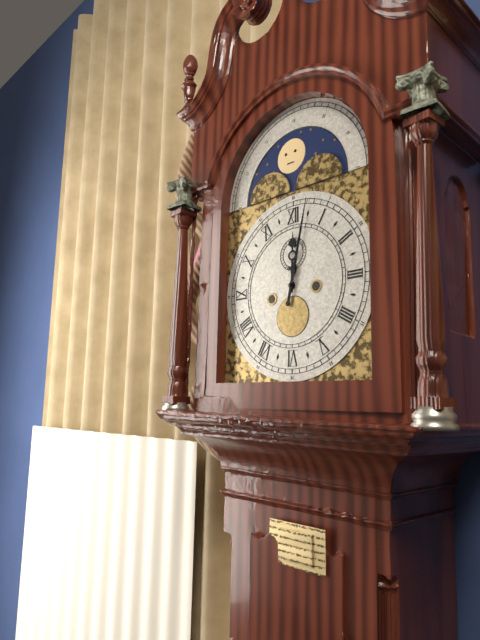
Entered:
12h02
